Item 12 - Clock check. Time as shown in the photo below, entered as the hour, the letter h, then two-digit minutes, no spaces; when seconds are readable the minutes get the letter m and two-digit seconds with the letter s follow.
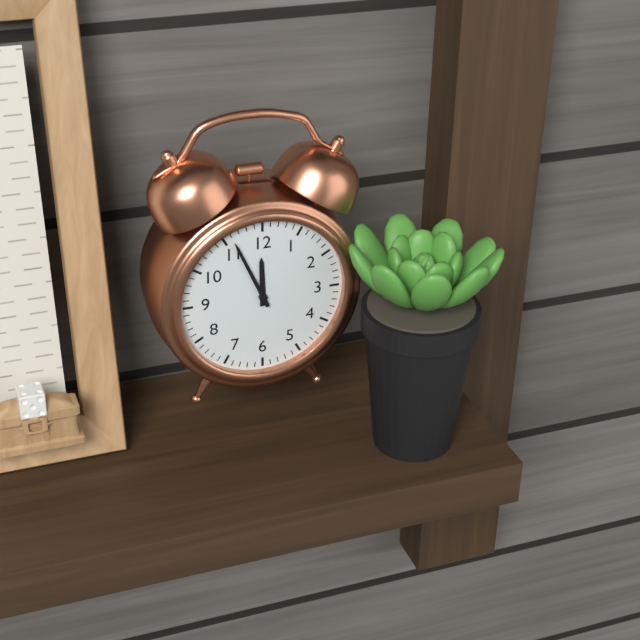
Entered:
11h56
